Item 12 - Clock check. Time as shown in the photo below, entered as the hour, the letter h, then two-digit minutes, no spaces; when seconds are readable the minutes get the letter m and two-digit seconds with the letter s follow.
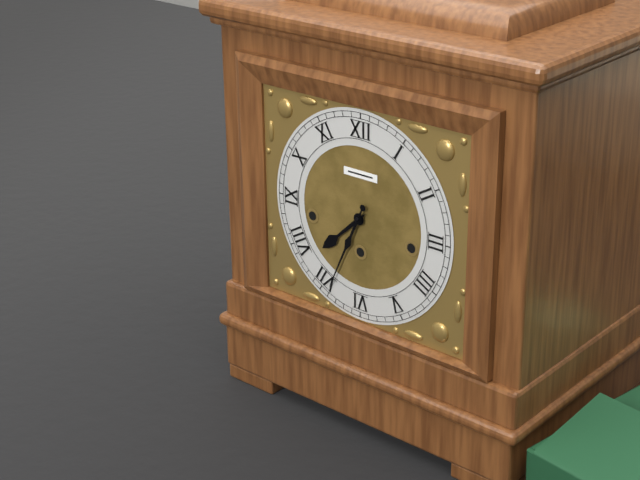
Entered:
7h34
